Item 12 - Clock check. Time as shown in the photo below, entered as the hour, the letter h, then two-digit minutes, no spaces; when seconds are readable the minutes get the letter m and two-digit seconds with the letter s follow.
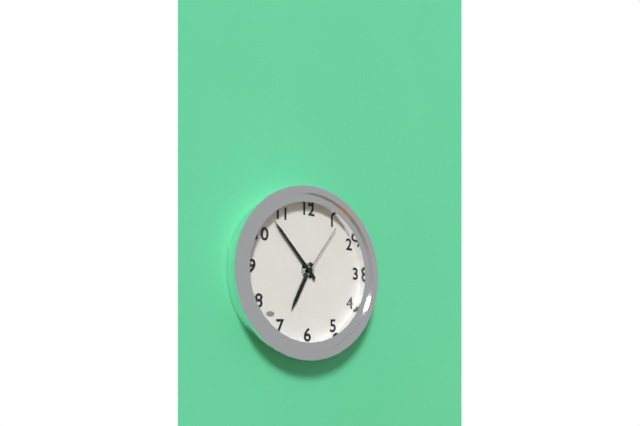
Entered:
6h53m06s
